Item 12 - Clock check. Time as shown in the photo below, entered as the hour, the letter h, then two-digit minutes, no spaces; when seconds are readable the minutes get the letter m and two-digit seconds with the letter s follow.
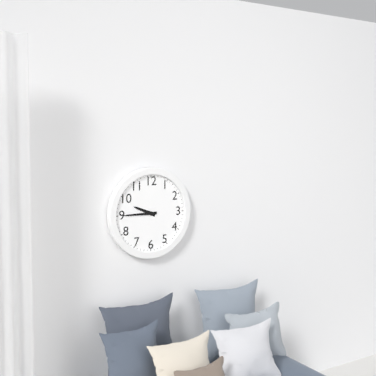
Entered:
9h45
